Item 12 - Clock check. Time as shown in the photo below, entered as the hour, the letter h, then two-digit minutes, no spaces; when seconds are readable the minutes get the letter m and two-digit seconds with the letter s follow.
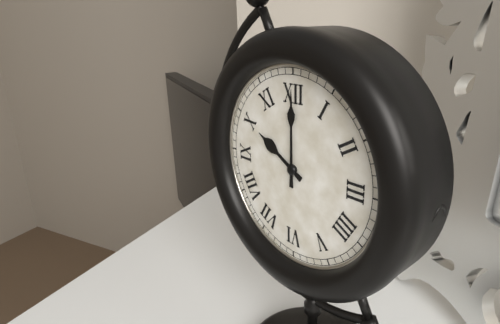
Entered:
10h00
